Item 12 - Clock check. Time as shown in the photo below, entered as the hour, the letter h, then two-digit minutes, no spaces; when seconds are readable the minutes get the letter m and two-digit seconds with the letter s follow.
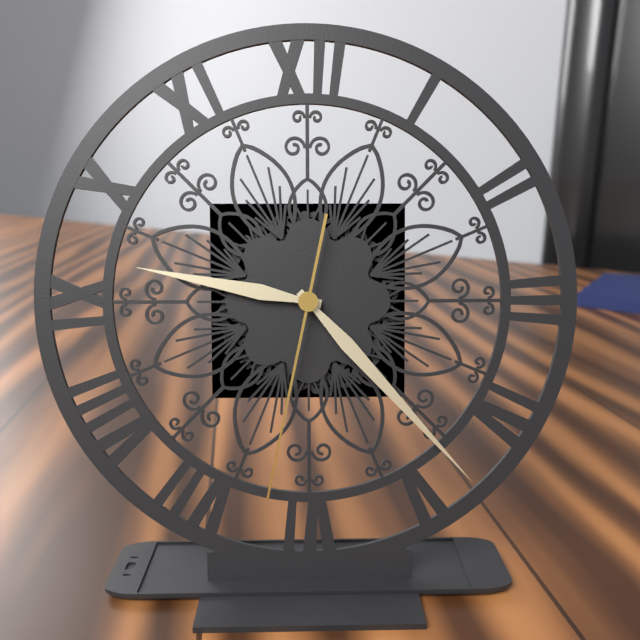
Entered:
9h23m32s
